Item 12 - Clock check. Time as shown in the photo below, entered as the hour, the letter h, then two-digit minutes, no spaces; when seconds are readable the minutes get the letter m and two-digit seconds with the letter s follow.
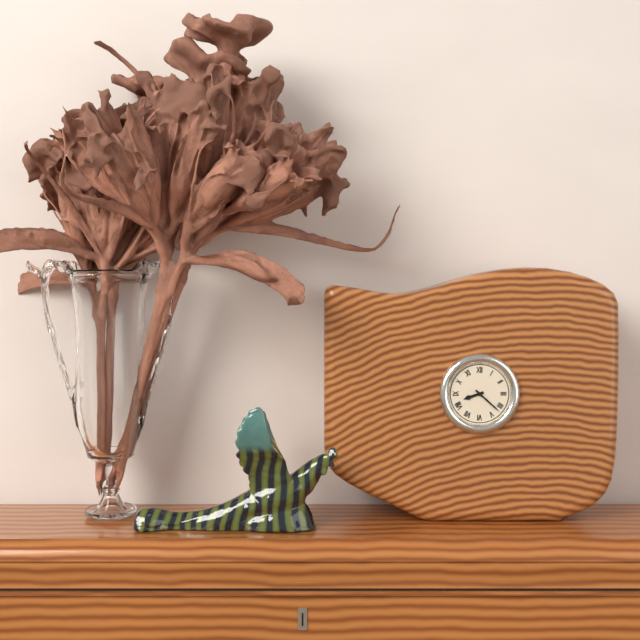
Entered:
8h22
